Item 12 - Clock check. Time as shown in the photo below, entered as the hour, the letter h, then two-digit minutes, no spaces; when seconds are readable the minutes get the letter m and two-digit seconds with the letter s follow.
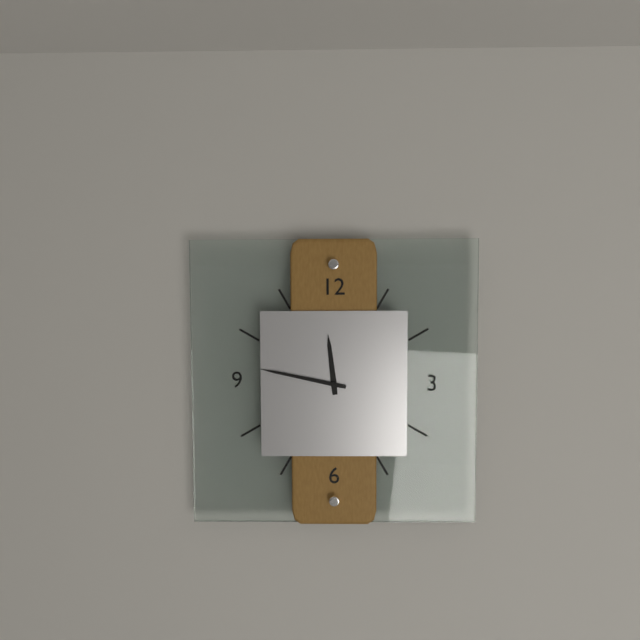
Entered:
11h47
